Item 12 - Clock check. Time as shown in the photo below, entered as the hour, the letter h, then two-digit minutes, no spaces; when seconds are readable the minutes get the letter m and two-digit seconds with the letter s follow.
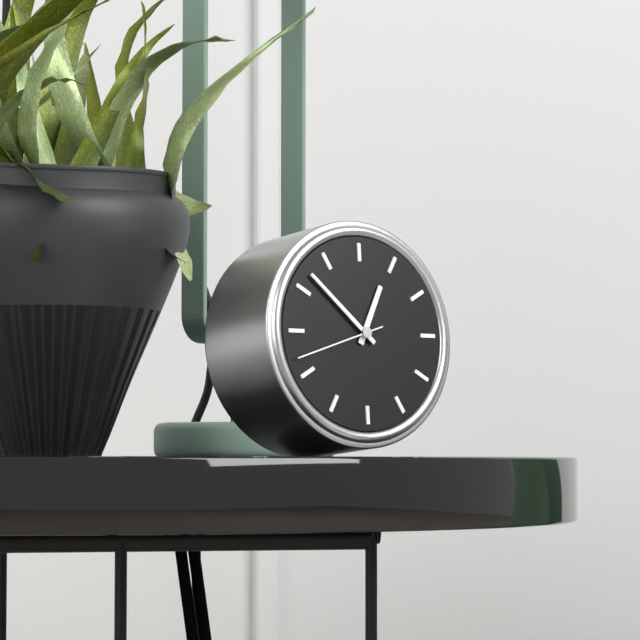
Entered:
12h52m42s
